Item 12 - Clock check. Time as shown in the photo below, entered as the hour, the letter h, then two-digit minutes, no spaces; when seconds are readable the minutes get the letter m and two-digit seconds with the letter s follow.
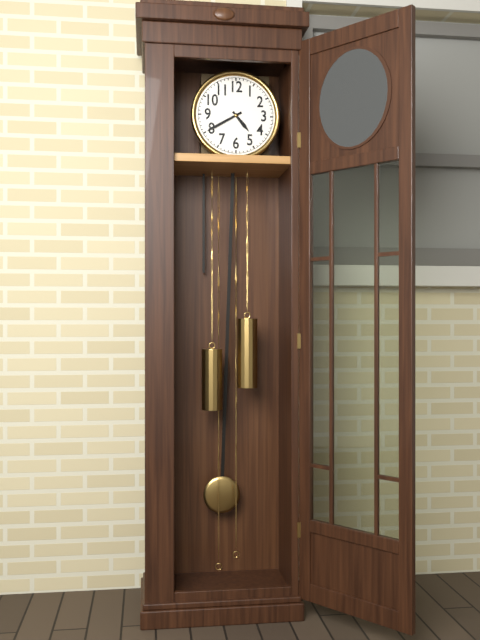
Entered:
4h40
